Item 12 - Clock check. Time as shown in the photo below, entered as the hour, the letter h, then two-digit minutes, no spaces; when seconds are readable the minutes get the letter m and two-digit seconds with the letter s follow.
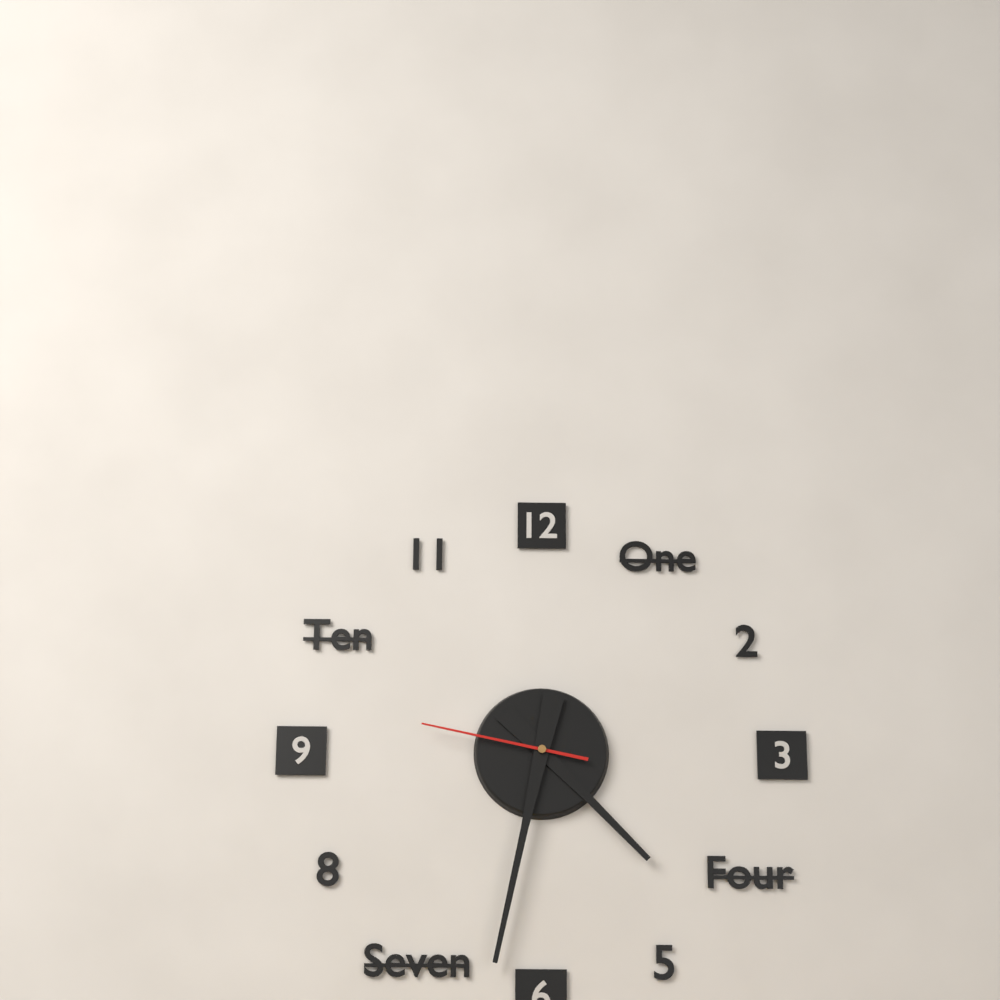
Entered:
4h32m47s
